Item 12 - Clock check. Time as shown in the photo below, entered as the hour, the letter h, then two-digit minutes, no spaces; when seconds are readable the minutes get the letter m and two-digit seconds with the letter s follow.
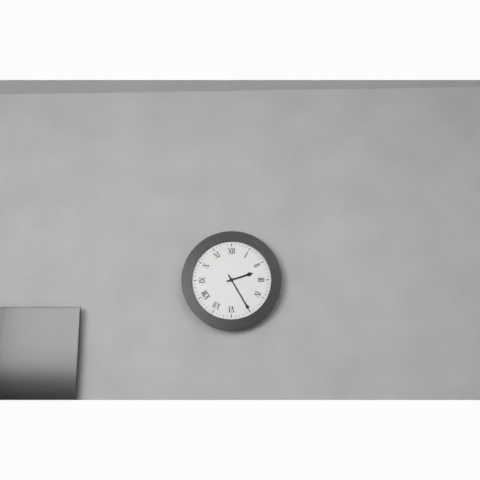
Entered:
2h25
